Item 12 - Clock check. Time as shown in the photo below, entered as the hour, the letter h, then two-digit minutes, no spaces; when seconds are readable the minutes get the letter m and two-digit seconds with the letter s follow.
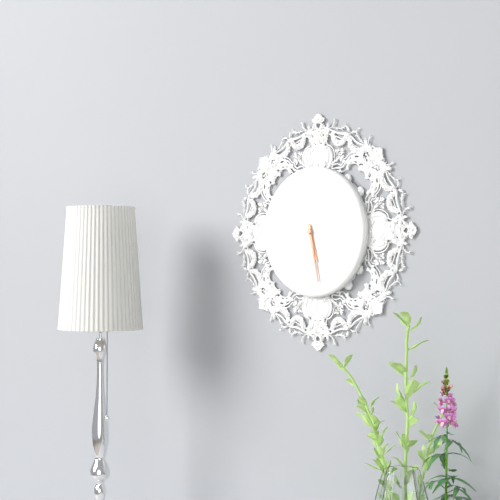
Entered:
5h28
